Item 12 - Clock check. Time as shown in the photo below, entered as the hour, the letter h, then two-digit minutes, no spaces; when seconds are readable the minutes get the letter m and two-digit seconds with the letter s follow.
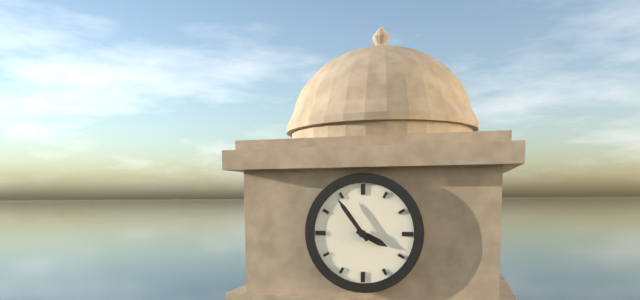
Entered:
3h54
